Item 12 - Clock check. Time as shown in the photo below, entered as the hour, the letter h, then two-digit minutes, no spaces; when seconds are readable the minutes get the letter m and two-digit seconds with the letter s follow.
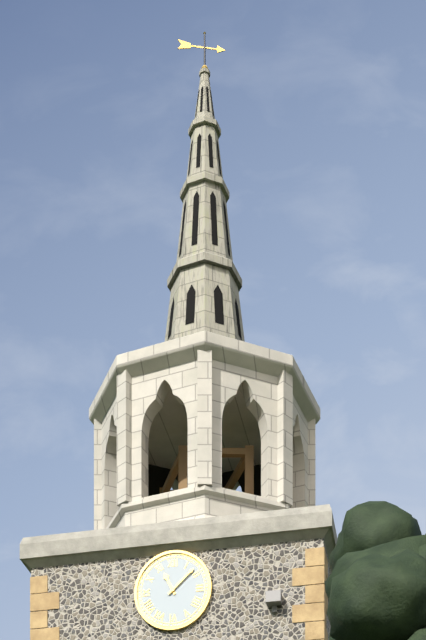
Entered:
11h08
